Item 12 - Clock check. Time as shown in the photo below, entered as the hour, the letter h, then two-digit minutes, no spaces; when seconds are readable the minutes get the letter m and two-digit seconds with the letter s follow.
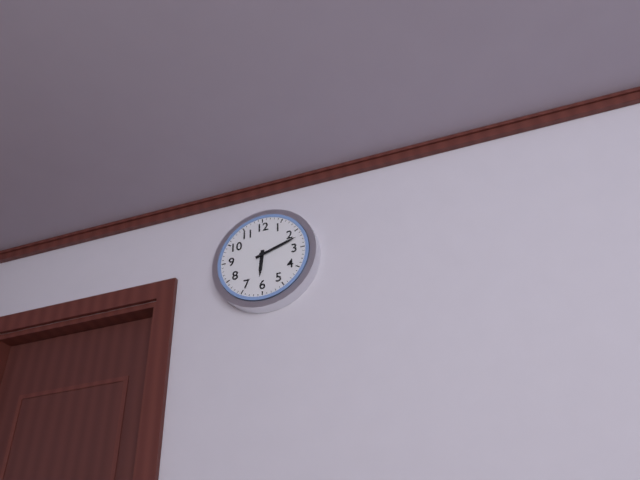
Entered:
6h12
